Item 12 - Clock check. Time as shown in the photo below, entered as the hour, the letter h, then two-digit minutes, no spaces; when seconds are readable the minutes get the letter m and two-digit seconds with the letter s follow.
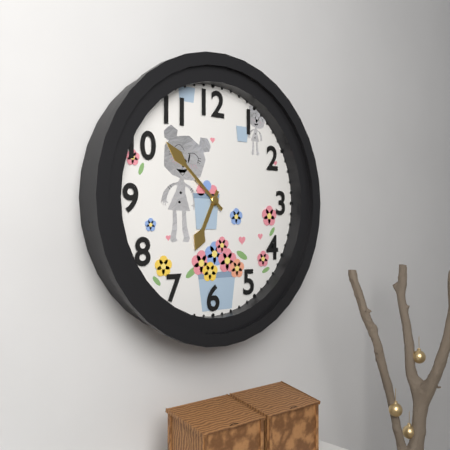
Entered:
6h52
